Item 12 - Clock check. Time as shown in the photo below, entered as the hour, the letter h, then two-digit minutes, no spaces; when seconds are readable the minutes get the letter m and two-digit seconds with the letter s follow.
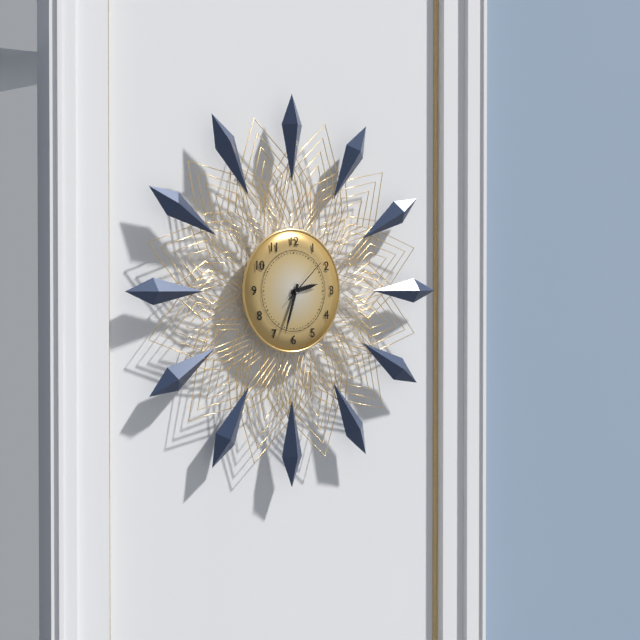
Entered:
2h33
